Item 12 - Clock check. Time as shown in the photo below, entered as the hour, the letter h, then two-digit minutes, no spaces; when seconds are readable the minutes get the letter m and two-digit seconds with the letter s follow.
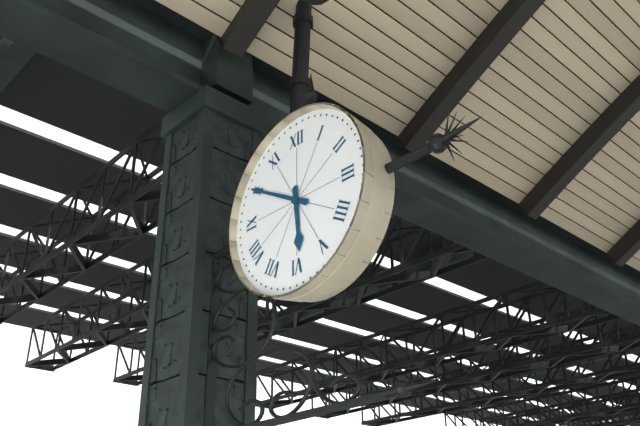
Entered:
5h50
